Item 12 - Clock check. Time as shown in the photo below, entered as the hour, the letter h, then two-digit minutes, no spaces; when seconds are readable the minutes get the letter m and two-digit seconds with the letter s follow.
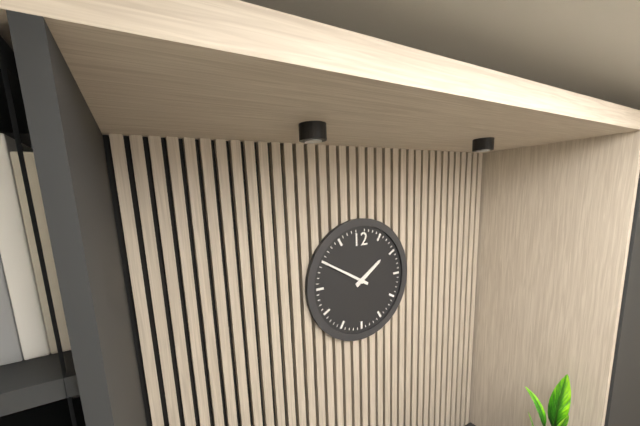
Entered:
1h50
